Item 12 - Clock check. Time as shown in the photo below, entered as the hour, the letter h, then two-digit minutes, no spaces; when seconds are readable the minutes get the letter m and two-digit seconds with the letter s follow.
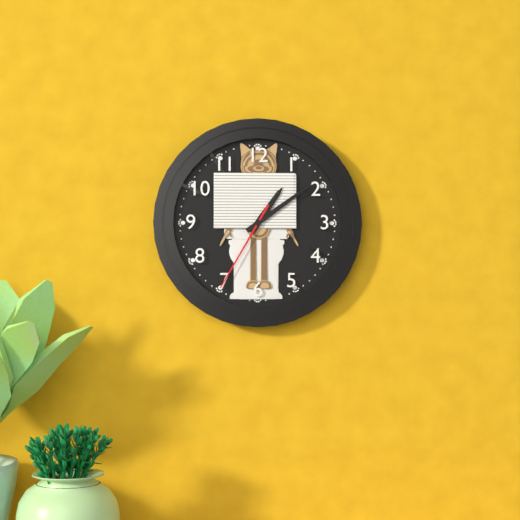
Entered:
1h09m35s
